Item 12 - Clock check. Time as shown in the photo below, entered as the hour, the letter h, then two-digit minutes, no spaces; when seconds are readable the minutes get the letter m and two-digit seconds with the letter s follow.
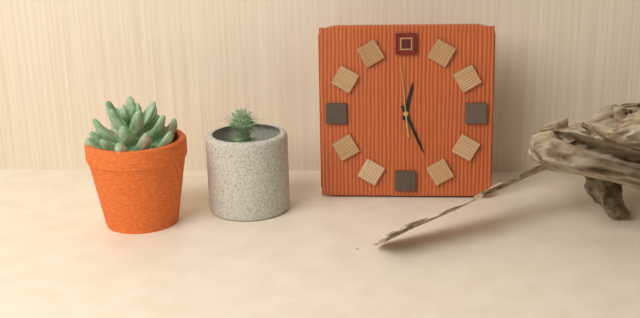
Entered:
12h26m59s
